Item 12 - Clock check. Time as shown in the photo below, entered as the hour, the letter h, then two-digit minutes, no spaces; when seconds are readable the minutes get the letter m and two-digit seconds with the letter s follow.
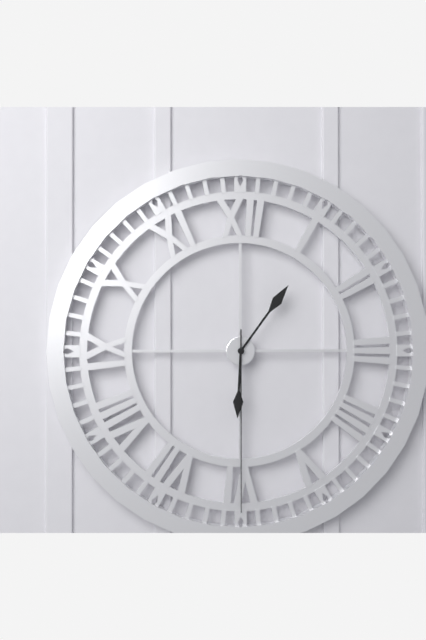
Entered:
6h06m30s
